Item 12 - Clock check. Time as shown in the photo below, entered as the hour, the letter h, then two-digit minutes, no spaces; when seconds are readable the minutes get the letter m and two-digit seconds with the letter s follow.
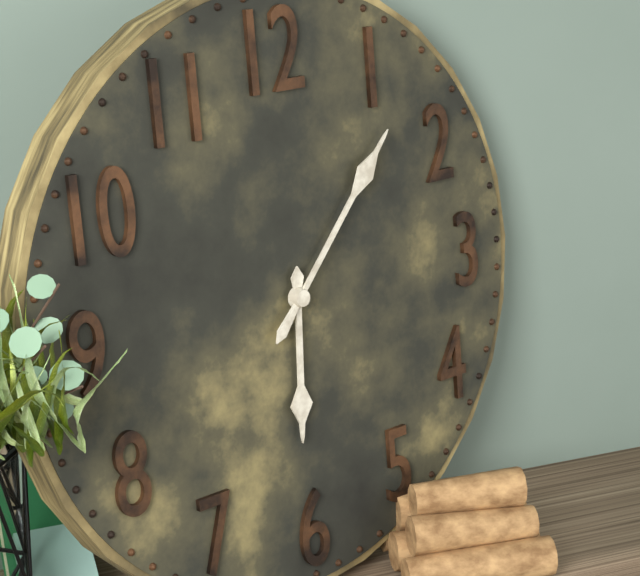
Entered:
6h07
